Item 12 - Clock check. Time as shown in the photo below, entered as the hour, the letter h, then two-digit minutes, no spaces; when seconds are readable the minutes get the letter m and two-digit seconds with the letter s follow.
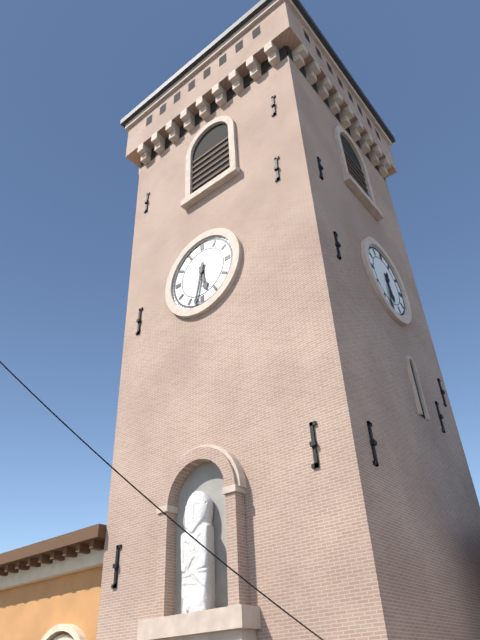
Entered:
5h32
